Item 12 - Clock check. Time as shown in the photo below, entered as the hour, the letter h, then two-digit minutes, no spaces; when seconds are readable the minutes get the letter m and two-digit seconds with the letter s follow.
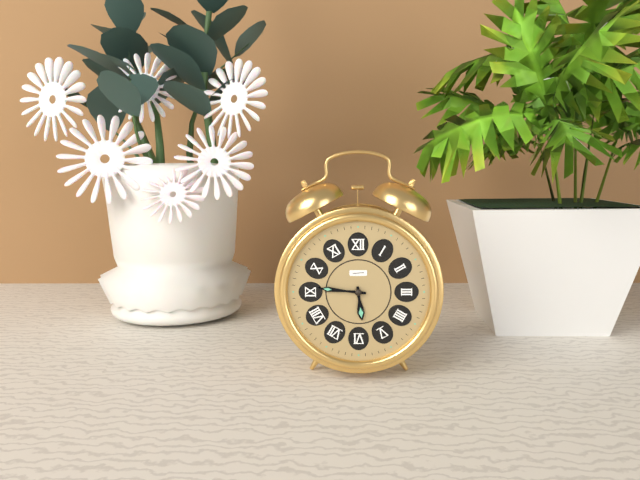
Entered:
5h46
